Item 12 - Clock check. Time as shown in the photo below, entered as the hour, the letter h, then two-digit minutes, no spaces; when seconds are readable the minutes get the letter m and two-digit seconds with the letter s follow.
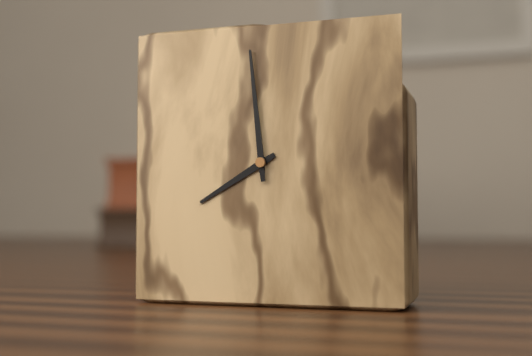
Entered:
7h59
